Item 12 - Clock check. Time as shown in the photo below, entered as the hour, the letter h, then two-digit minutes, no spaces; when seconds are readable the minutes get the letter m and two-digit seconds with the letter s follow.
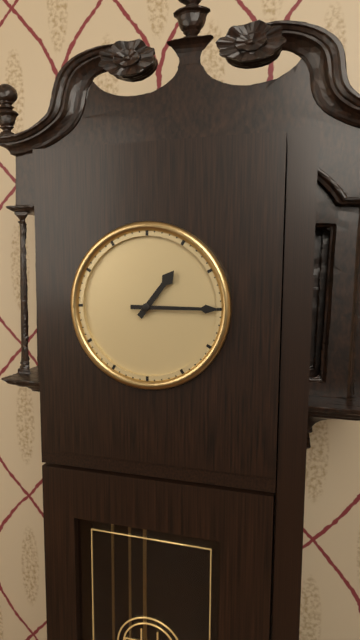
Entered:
1h15
